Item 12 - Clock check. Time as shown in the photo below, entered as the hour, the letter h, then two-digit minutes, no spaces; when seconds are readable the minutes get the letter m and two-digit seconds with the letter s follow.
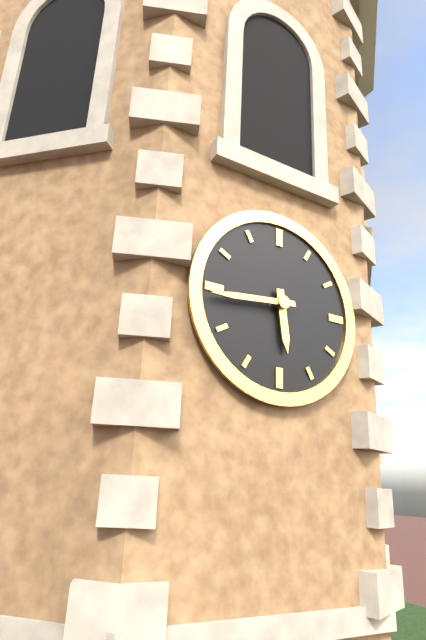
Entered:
5h44
